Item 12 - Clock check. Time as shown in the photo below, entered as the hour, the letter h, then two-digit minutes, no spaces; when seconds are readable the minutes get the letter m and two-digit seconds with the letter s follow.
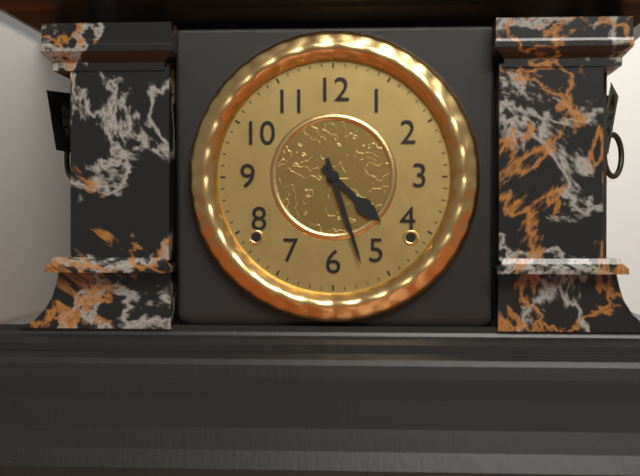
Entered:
4h27
